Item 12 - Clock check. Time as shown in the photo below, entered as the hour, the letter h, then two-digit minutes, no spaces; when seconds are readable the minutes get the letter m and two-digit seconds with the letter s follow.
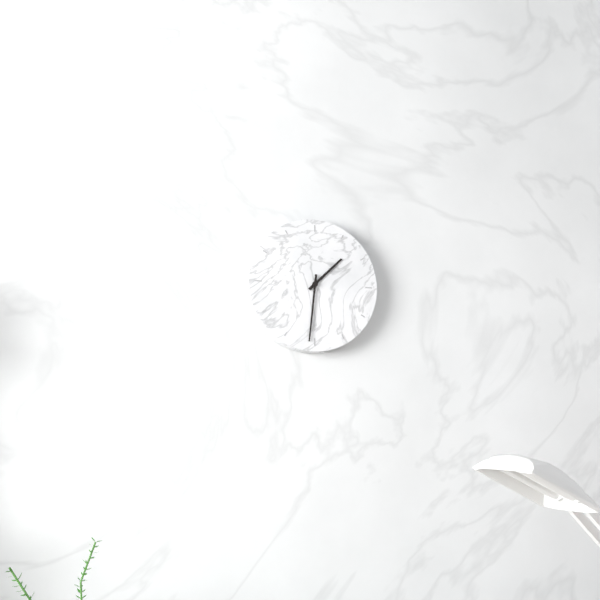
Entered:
1h31
